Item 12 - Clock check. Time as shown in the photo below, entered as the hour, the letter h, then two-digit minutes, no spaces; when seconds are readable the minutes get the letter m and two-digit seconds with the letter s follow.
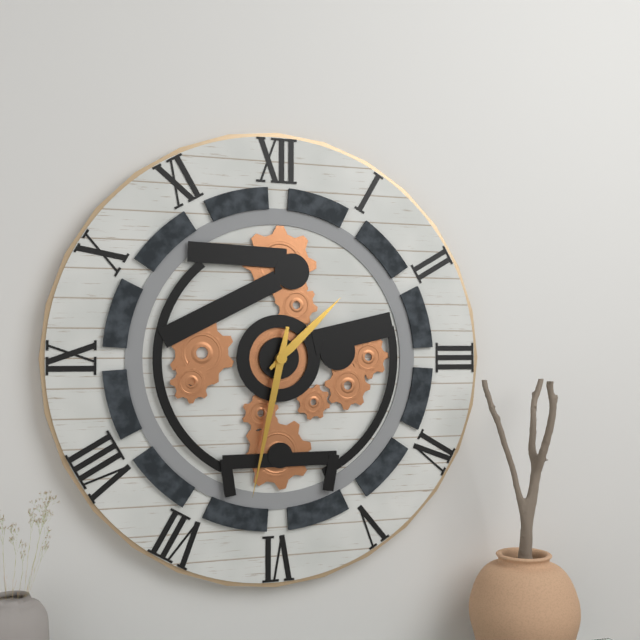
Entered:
1h32
